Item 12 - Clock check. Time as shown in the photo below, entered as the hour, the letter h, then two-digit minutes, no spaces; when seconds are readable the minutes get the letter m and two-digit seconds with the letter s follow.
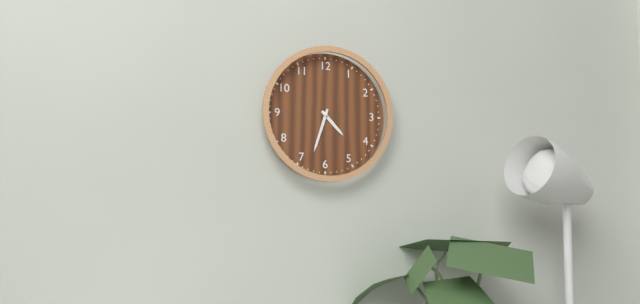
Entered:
4h33
